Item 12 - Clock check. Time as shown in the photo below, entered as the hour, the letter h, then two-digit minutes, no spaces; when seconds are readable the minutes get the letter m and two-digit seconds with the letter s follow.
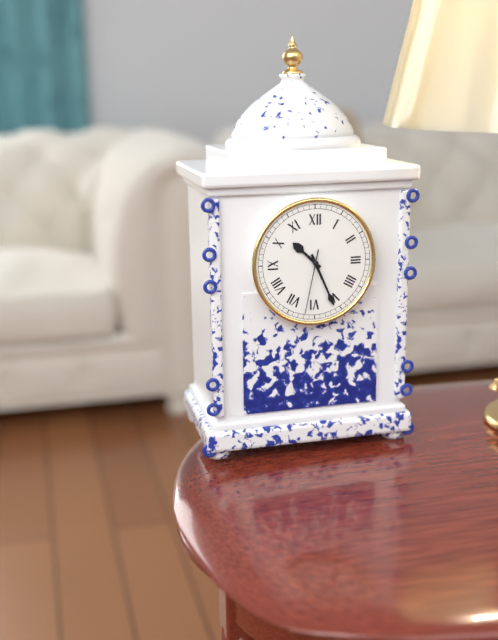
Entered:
10h26m32s
